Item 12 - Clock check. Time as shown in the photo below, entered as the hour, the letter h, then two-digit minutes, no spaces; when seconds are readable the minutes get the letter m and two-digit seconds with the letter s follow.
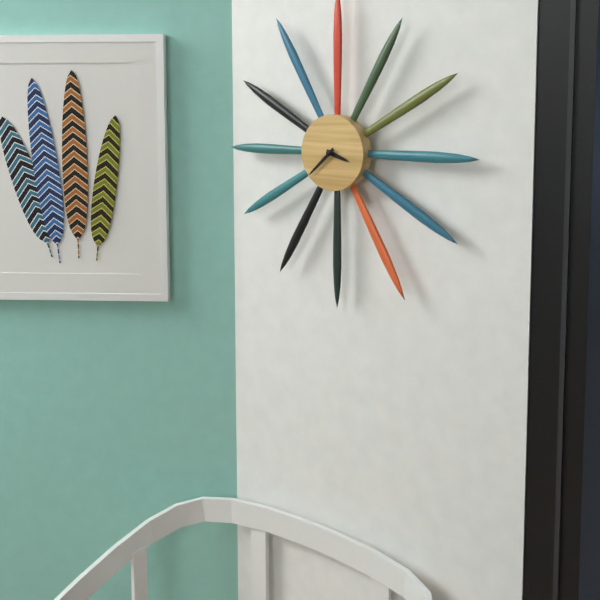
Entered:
3h38
